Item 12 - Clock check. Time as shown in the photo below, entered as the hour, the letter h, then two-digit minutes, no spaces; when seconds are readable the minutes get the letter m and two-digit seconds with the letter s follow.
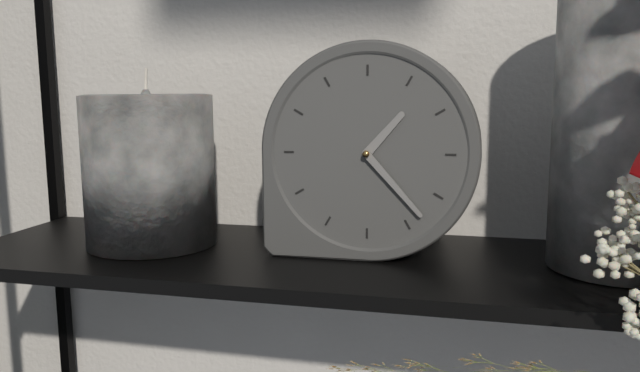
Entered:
1h23
